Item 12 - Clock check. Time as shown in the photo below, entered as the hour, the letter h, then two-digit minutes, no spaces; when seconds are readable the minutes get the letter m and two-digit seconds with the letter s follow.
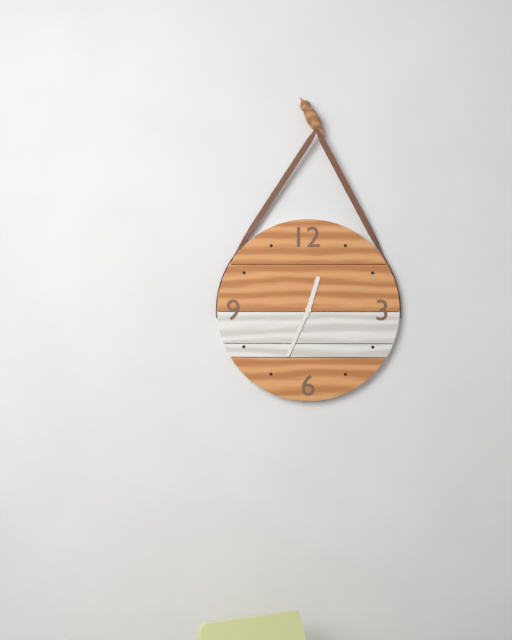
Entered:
12h34
